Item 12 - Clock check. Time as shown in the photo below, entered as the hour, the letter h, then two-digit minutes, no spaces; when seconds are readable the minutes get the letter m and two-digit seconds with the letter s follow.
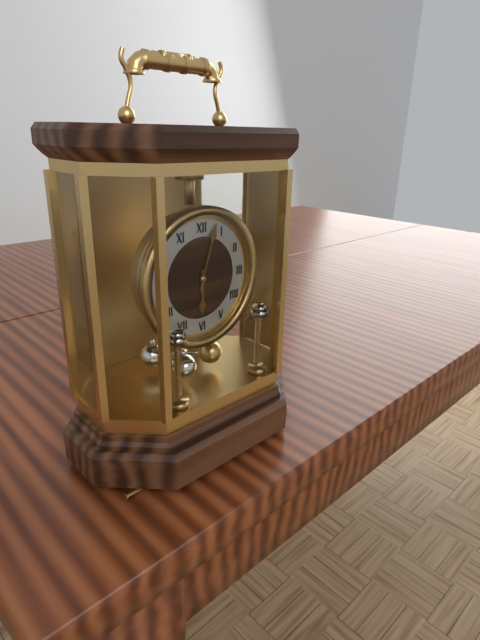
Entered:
6h03
